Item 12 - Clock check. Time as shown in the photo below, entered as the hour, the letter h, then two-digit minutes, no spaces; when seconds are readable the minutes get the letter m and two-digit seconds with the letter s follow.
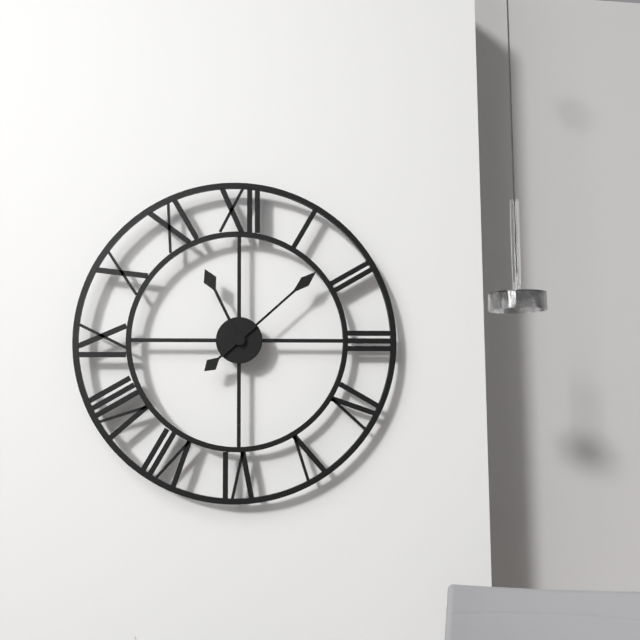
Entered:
11h08
